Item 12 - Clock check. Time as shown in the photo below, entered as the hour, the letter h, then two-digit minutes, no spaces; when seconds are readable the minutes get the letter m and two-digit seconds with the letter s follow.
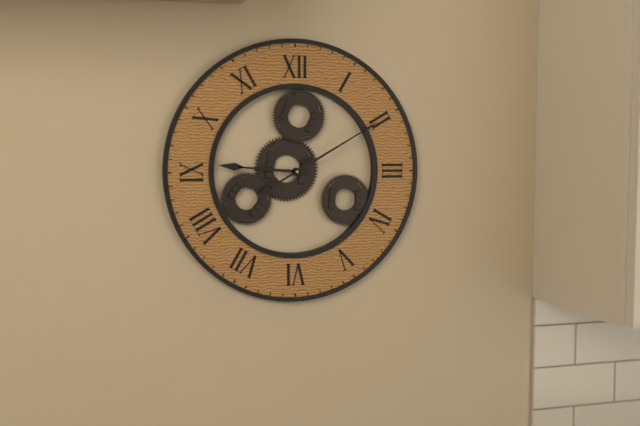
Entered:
9h10
